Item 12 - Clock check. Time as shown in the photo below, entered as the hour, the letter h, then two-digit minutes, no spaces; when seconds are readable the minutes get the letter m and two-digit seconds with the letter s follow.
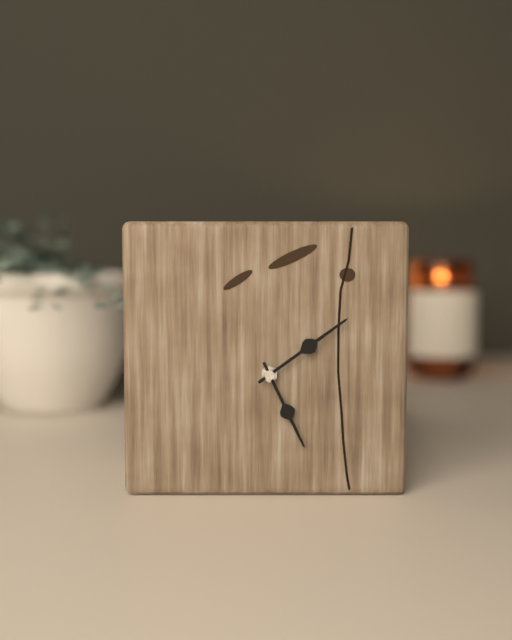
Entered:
5h09
